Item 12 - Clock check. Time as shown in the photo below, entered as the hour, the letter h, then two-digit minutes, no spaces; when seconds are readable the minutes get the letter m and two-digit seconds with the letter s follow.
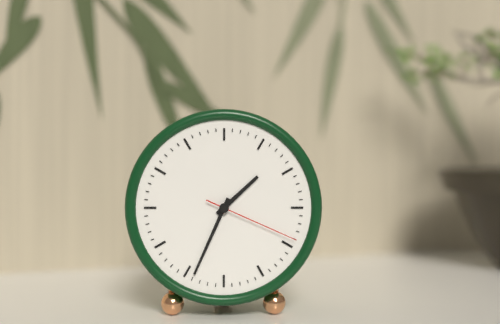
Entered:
1h34m19s
